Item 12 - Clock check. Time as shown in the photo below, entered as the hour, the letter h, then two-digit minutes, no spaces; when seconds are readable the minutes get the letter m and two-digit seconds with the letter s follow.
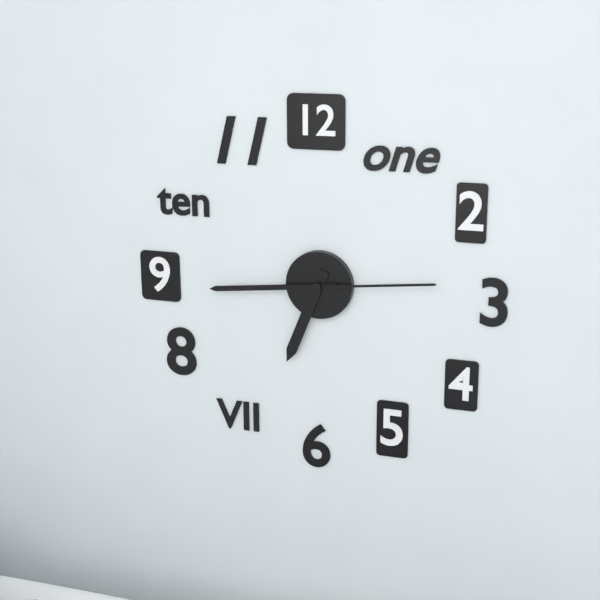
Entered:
6h44m14s
